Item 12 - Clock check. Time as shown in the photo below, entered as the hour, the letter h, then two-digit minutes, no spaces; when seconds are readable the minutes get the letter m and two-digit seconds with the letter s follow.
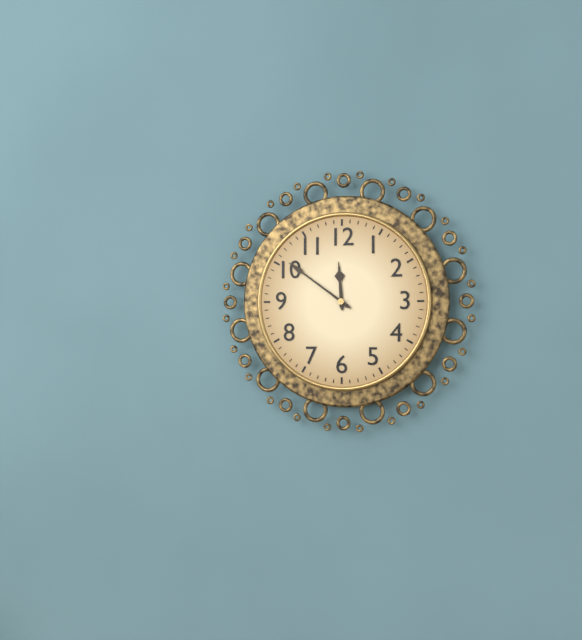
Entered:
11h51
